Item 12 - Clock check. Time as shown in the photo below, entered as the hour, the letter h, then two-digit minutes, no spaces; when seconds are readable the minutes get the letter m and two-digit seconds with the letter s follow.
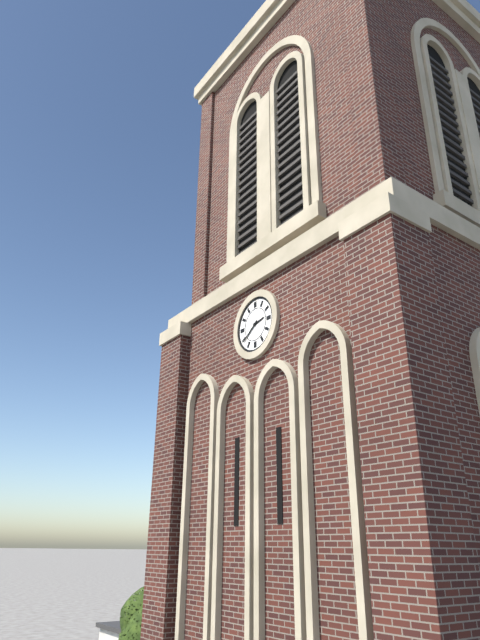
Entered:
2h39
